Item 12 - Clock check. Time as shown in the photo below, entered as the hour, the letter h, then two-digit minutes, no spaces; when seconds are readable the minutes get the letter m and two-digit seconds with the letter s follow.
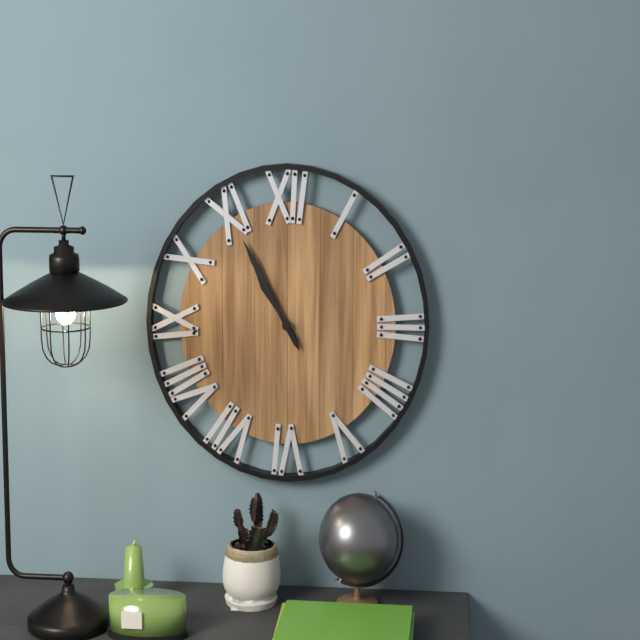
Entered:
10h55
